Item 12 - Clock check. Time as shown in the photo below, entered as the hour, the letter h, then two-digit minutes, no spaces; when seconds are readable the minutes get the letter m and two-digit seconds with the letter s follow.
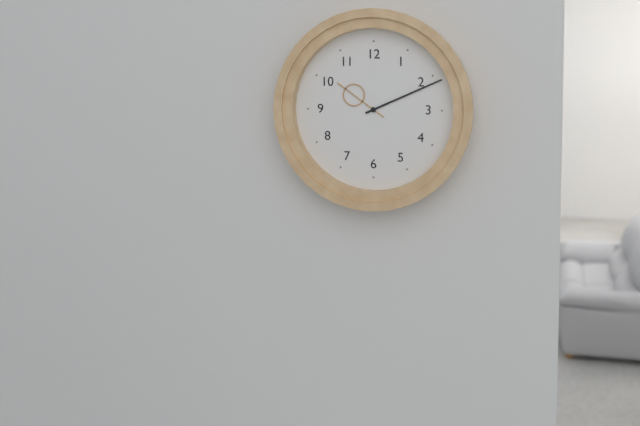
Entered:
10h11
